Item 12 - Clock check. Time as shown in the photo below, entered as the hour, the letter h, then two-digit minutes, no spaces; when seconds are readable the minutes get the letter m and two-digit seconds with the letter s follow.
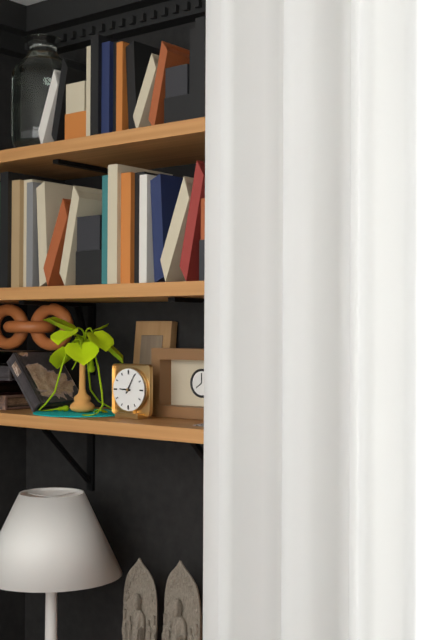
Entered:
9h05
